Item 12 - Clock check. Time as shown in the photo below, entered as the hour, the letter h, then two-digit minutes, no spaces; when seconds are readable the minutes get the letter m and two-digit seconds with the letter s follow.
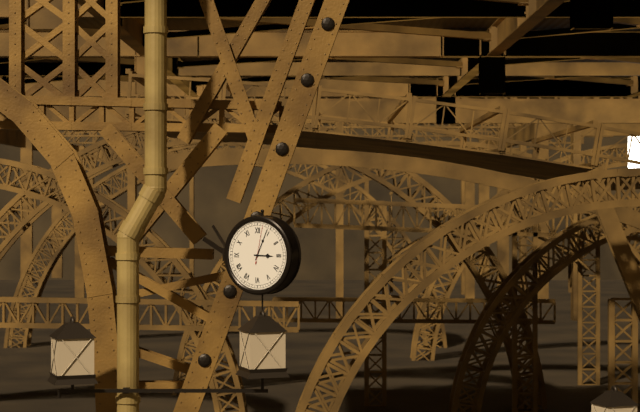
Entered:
3h04
